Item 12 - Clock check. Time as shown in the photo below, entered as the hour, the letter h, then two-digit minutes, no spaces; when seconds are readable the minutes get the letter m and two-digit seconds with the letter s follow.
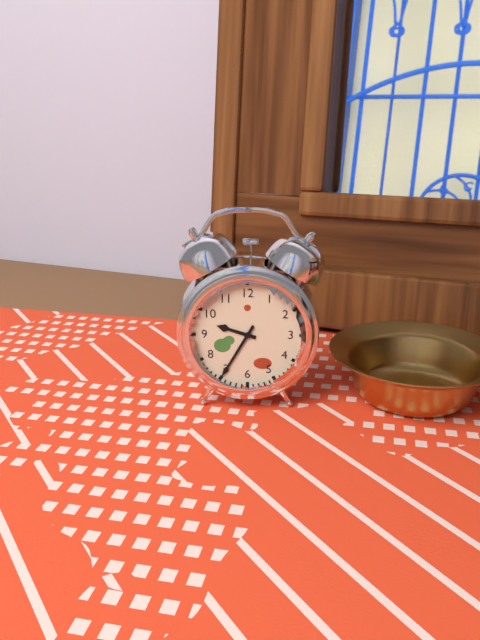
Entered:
9h35
